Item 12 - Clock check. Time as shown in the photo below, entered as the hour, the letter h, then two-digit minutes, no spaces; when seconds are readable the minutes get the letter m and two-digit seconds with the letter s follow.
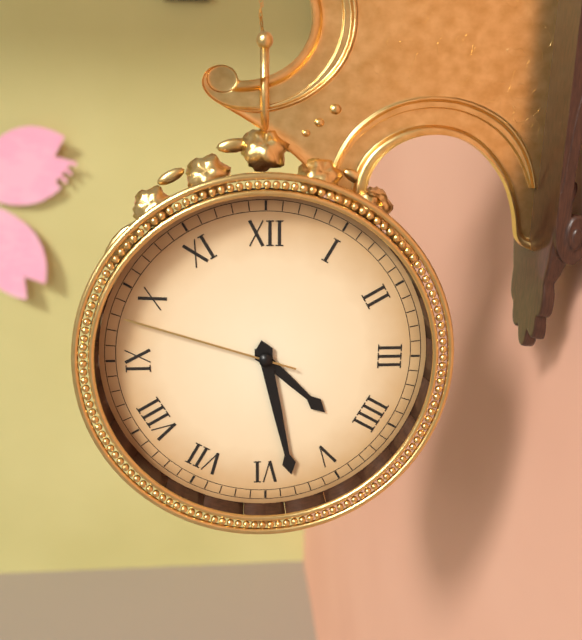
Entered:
4h28m48s
